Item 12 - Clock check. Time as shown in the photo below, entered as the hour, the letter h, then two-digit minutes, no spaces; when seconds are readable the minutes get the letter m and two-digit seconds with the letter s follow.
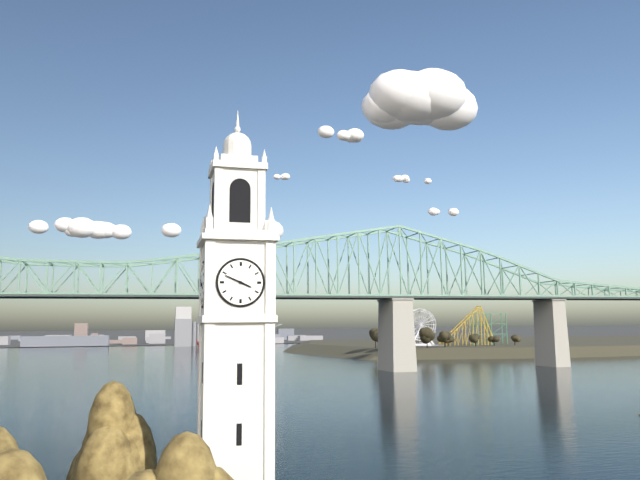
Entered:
3h49
